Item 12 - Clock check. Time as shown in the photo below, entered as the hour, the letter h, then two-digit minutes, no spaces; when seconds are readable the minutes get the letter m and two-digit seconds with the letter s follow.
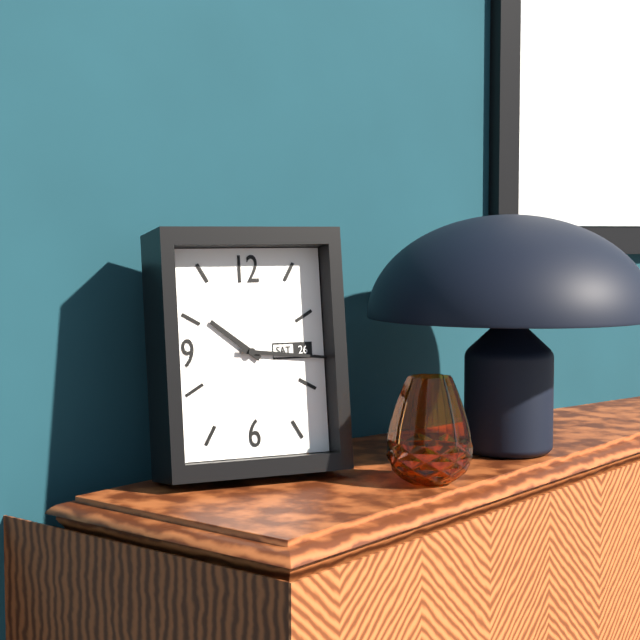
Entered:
10h16
